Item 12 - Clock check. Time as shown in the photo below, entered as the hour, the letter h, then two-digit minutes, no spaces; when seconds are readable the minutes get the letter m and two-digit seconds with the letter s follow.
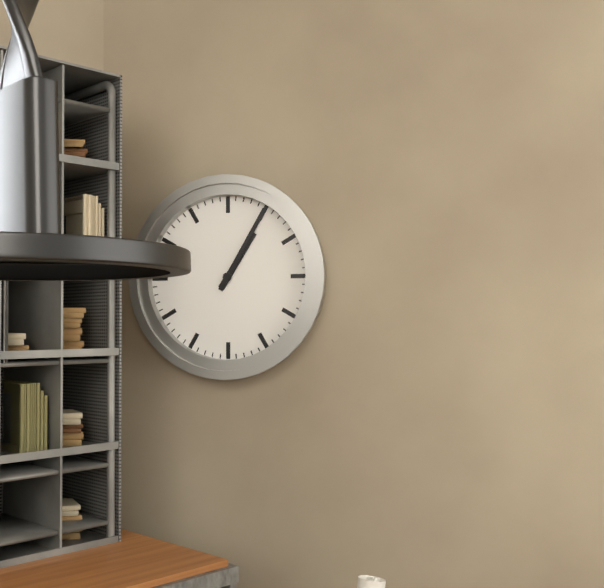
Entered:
1h05
